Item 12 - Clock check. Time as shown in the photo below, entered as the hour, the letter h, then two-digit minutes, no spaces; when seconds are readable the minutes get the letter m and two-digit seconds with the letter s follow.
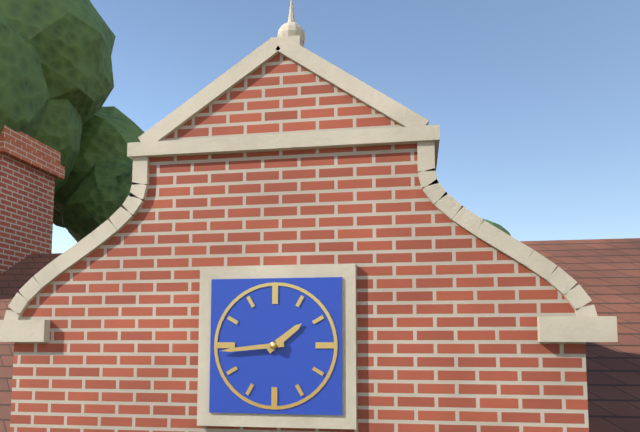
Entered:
1h44
